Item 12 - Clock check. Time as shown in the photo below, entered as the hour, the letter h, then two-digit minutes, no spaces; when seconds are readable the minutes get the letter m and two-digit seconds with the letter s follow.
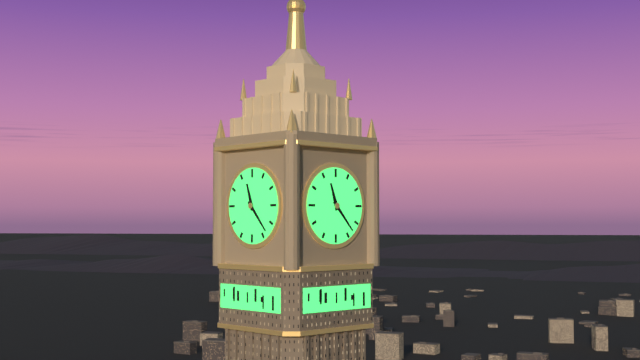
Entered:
11h23
